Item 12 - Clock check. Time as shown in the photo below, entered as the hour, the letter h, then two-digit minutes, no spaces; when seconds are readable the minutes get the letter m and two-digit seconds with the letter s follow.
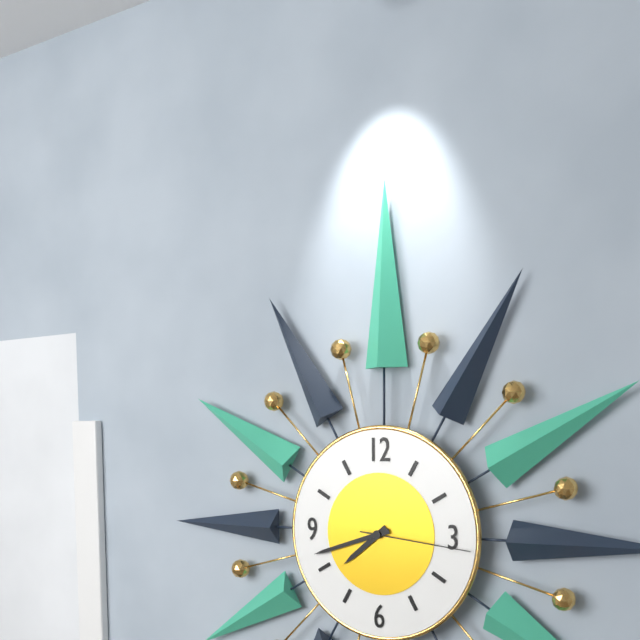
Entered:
7h42m16s
